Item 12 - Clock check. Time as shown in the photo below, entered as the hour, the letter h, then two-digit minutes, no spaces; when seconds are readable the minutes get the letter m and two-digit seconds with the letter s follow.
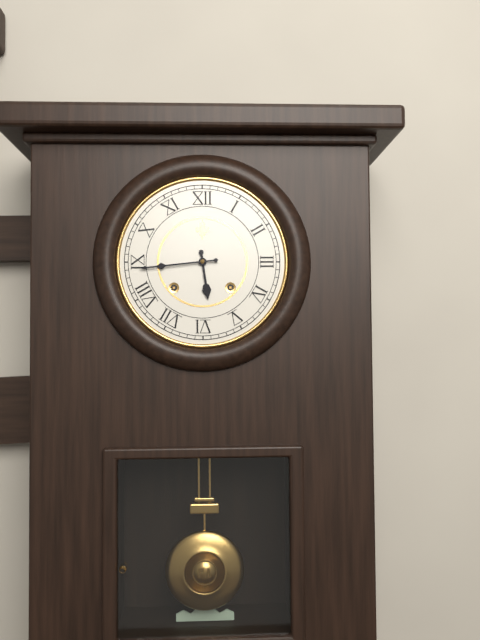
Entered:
5h44
